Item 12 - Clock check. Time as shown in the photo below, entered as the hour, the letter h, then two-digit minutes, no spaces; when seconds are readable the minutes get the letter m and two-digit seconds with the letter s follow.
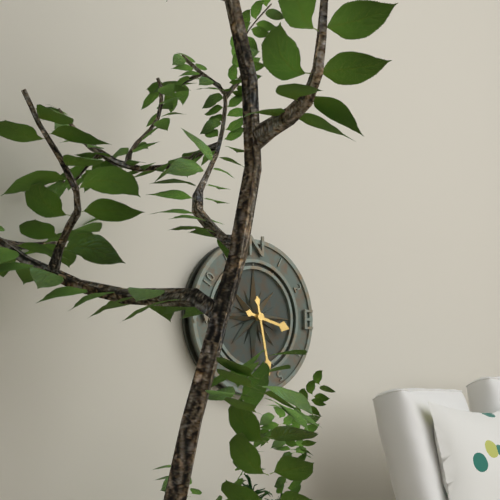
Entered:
3h28
